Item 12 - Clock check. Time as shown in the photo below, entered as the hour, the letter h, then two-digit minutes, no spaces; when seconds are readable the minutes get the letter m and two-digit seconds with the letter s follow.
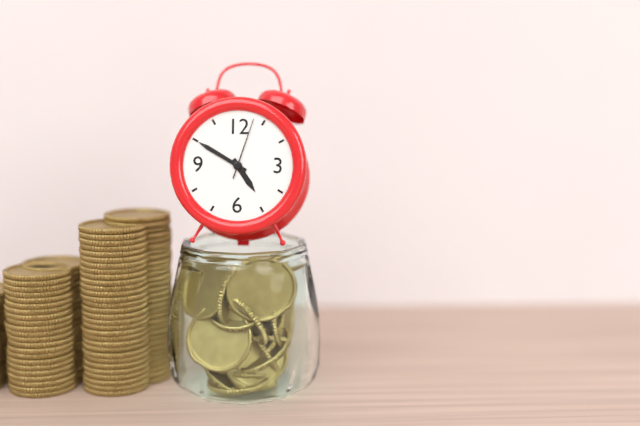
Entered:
4h50m03s
